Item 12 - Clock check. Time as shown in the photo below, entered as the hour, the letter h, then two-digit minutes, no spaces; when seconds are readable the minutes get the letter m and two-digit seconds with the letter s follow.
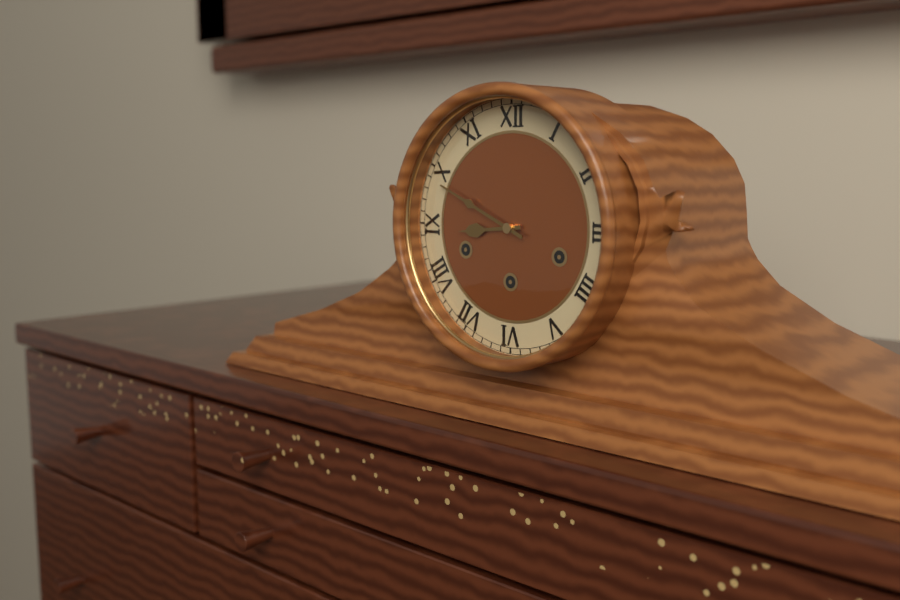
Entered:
8h49
